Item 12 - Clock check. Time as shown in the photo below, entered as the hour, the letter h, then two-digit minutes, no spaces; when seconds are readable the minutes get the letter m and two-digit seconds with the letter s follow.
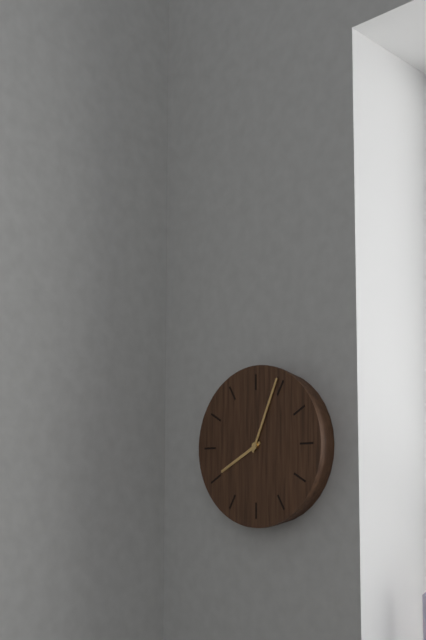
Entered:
8h04
